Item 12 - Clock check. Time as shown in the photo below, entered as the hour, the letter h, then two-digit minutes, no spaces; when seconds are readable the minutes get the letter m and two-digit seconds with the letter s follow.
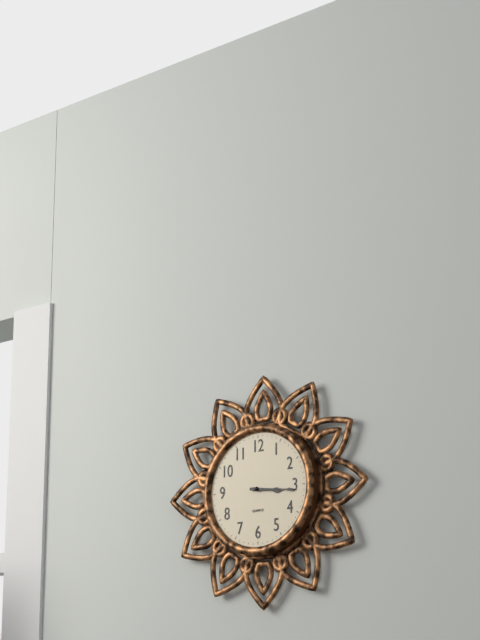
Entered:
3h16
